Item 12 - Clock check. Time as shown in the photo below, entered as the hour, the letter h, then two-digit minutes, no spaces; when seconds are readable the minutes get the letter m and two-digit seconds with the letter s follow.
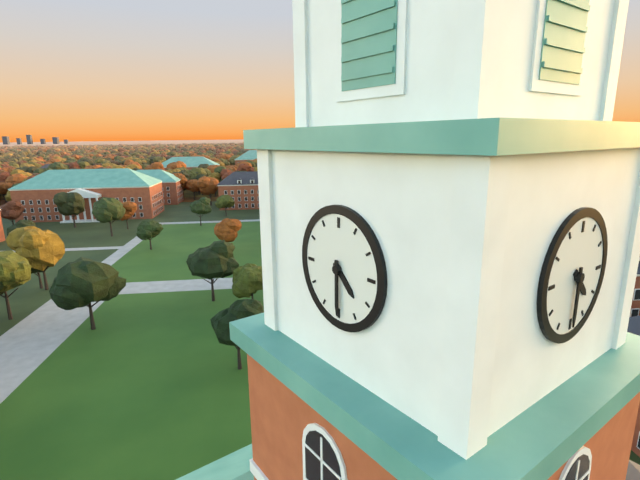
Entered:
4h30
